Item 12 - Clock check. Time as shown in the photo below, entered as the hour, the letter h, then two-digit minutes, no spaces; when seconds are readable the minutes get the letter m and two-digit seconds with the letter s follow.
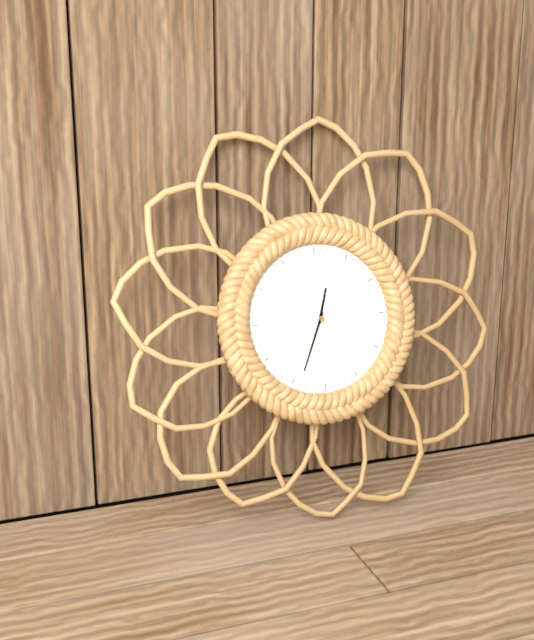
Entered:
12h34
